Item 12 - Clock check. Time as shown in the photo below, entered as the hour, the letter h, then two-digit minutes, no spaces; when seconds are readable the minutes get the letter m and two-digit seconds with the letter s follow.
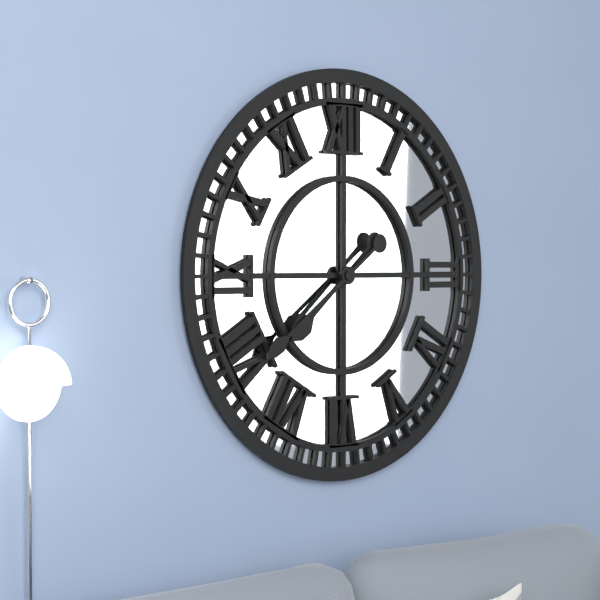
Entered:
7h39
